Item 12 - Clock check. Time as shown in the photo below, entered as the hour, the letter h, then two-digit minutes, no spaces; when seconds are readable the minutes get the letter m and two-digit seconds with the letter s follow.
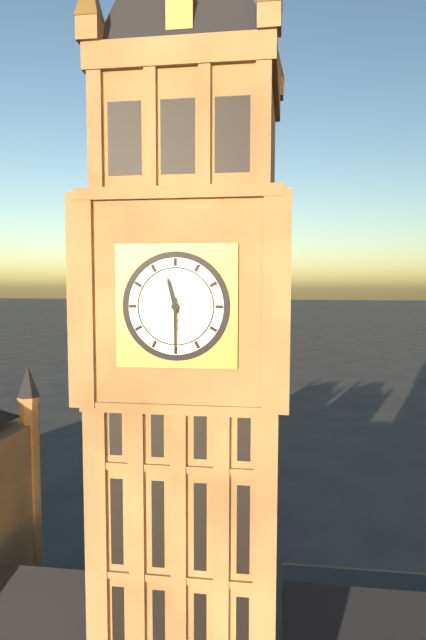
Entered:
11h30
